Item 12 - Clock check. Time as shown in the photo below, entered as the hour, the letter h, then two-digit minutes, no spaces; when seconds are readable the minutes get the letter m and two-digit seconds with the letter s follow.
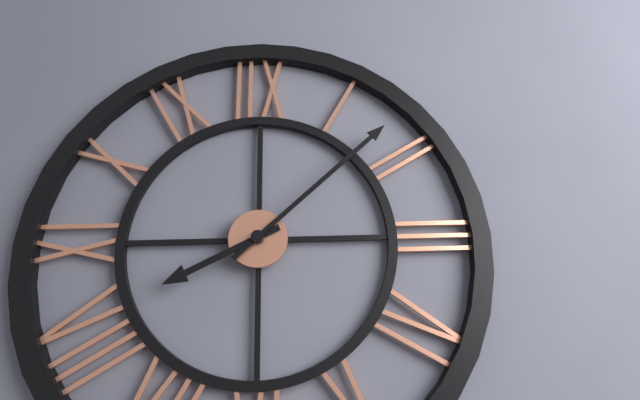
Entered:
8h08
